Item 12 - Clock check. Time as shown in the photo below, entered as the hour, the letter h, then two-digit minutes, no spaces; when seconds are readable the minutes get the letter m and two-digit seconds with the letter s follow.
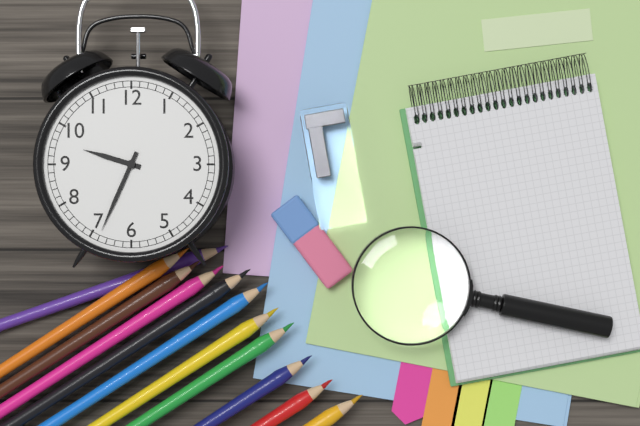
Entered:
9h34
